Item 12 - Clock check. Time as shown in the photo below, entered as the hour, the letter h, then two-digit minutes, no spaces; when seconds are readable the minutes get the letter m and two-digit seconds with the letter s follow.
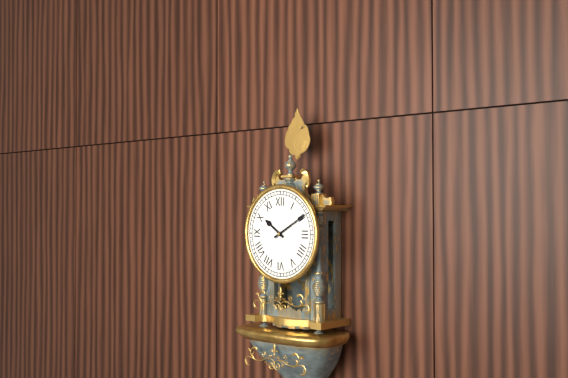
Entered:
10h10
